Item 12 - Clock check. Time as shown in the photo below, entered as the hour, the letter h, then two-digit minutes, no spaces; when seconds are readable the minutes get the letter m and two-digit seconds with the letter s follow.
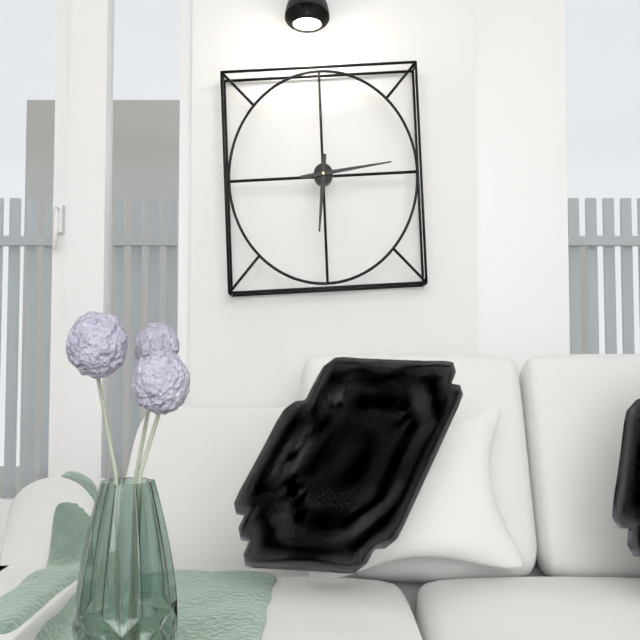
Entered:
6h14
